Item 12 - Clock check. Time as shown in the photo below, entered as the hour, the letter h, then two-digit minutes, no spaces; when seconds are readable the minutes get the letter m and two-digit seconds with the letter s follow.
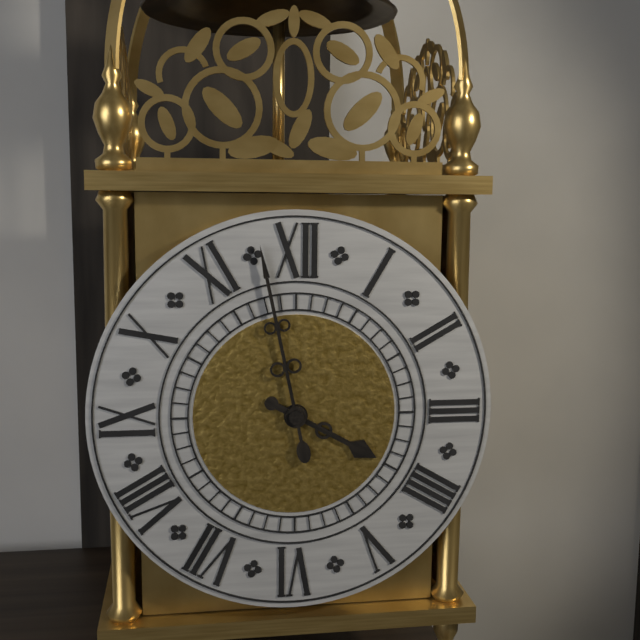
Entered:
3h58
